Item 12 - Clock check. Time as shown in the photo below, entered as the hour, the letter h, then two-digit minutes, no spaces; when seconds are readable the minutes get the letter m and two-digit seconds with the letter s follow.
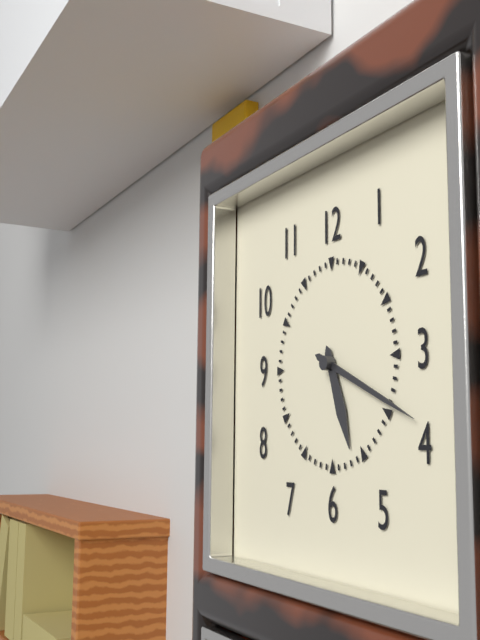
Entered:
5h19
